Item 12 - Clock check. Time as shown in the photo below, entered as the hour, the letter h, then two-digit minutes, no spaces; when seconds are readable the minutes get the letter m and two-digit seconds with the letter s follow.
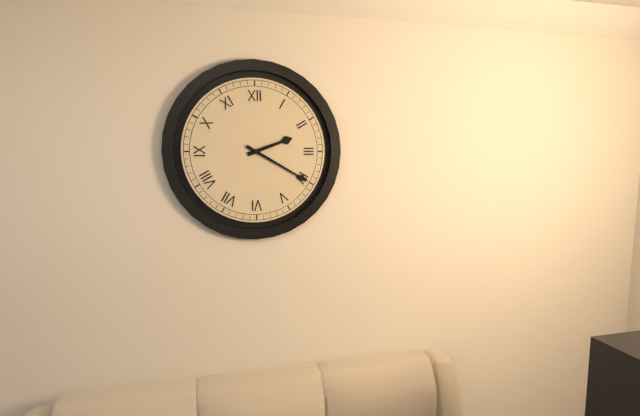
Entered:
2h20
